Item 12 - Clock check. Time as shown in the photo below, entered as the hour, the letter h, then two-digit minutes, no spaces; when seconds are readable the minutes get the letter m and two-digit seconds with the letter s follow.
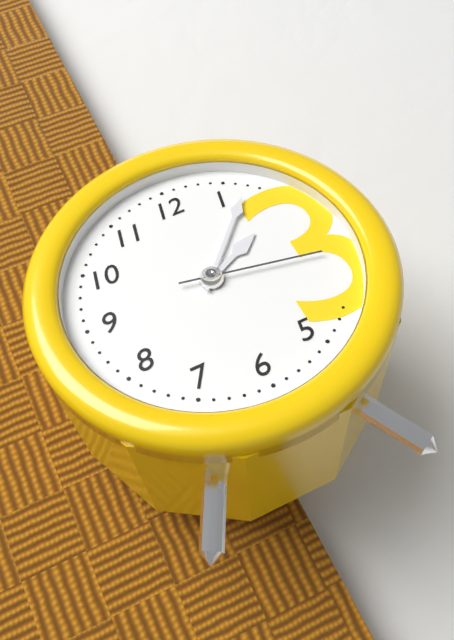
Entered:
2h07m17s
